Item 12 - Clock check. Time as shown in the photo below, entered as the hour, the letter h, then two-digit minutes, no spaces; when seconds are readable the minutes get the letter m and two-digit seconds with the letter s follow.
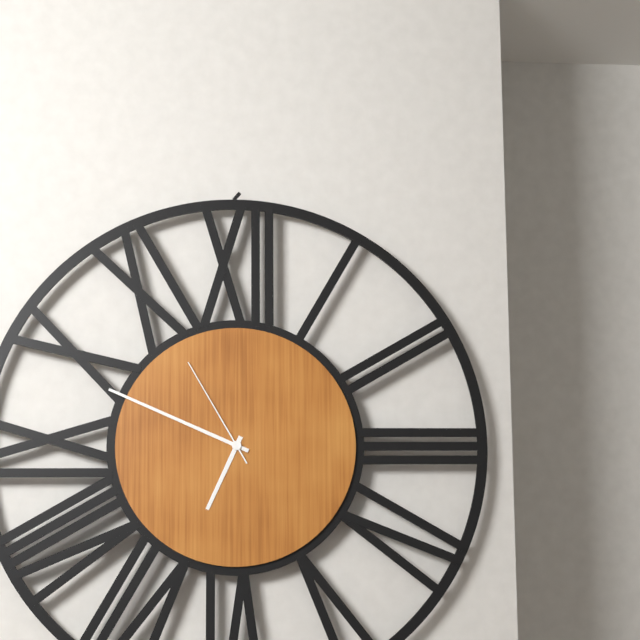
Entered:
6h49m55s
